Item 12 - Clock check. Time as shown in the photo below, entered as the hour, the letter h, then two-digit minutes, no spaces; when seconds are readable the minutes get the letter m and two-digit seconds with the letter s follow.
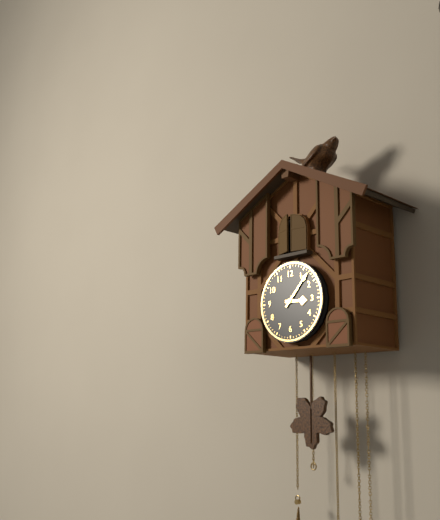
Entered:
3h07
